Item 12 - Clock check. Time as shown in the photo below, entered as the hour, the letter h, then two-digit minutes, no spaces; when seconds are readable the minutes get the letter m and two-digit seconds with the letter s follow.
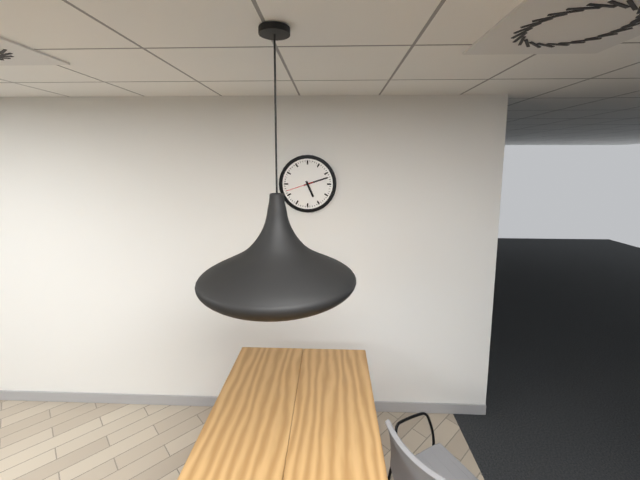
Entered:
5h12
